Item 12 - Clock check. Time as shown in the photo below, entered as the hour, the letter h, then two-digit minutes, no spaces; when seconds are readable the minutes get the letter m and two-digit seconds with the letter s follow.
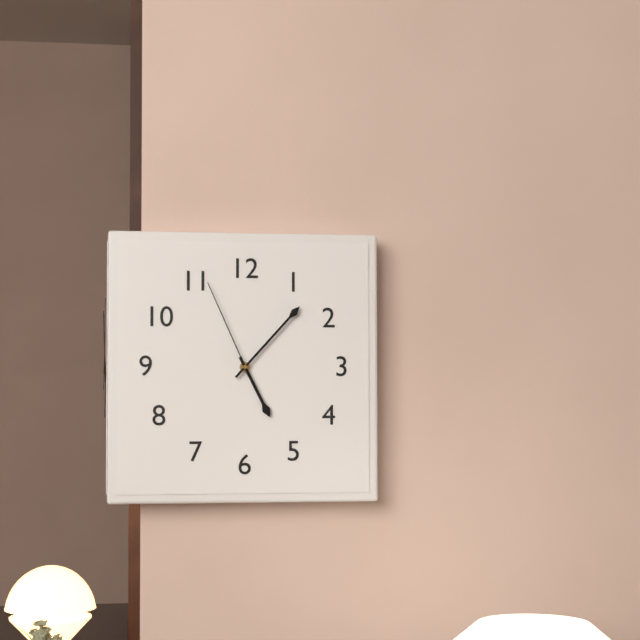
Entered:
5h07m56s
